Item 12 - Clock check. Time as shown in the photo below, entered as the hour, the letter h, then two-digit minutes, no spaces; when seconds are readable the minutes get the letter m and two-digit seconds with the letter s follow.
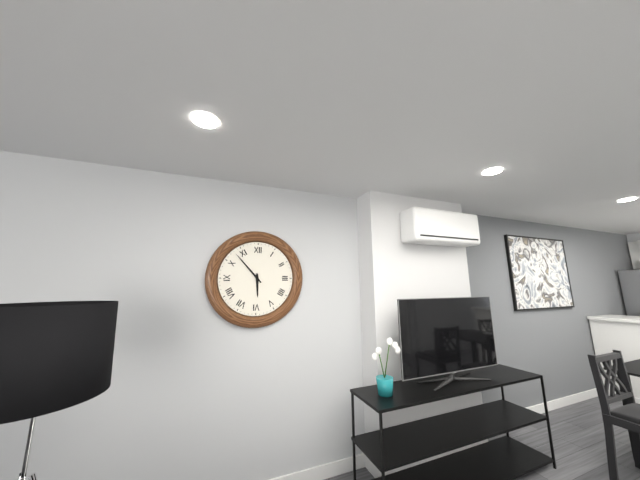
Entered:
5h53
